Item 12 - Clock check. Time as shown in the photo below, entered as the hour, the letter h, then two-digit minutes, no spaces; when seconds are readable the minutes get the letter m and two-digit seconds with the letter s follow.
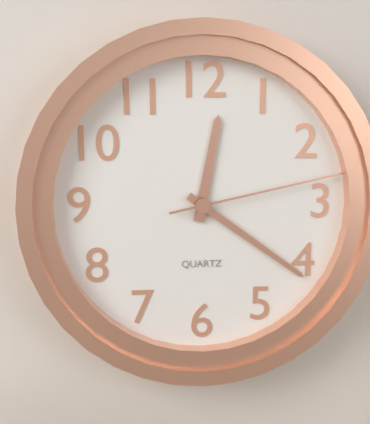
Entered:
12h21m13s
